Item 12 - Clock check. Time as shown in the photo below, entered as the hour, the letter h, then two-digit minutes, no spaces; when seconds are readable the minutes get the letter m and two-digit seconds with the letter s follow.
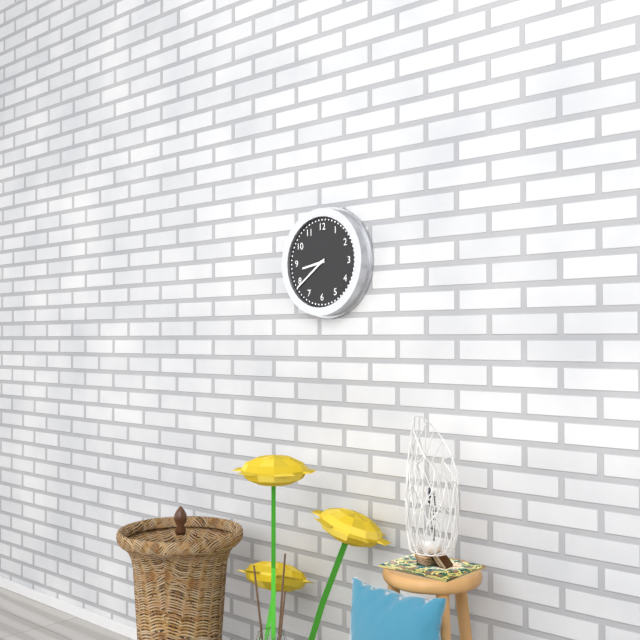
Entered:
8h39
